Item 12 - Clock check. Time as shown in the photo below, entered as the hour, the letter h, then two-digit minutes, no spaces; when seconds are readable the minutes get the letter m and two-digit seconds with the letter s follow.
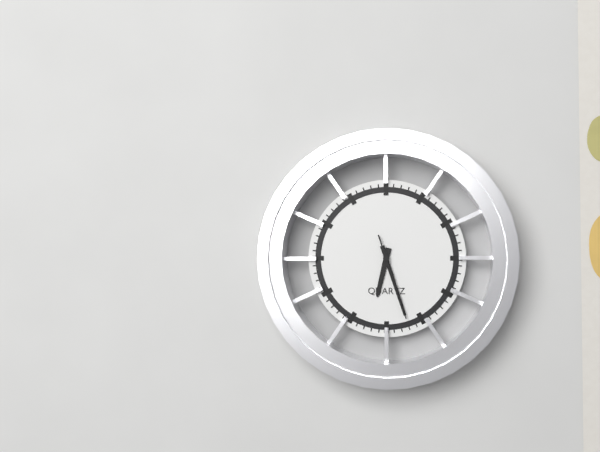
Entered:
6h27m27s
